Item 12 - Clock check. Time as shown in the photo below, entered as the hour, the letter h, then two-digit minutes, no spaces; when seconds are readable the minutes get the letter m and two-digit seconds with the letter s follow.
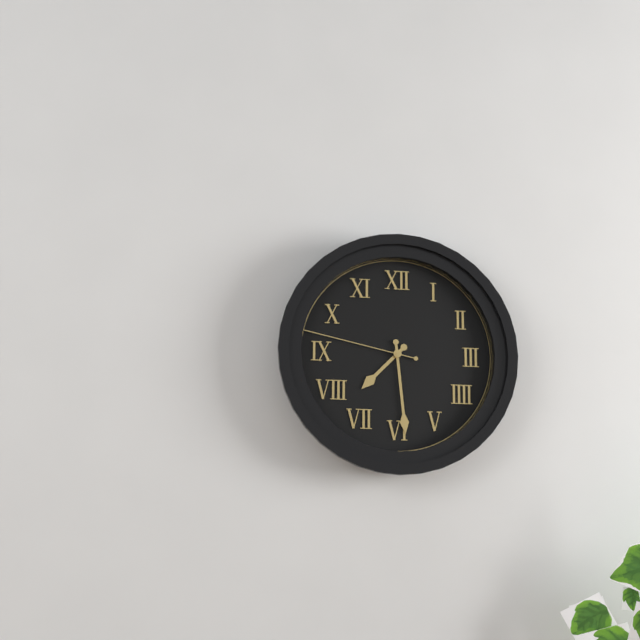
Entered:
7h29m47s
